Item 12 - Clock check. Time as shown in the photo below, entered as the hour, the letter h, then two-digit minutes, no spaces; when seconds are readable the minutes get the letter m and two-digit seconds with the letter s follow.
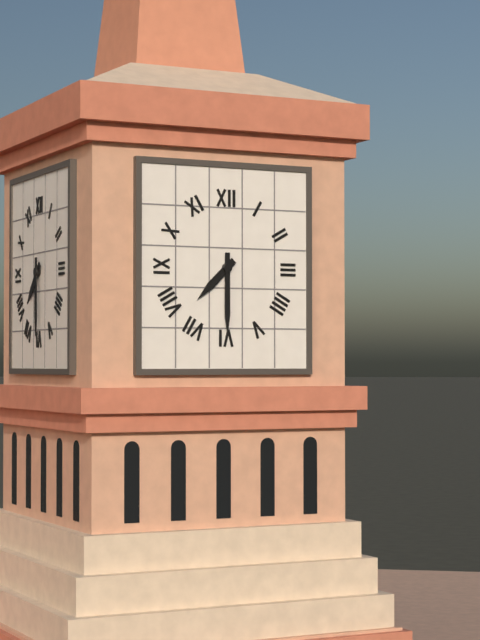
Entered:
7h30
